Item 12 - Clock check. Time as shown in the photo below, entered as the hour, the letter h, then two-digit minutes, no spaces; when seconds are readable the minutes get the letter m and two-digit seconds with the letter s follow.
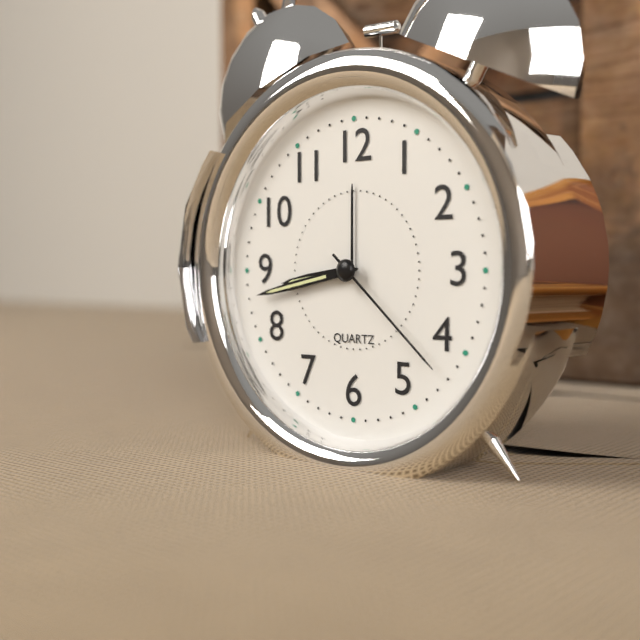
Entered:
8h43m22s
